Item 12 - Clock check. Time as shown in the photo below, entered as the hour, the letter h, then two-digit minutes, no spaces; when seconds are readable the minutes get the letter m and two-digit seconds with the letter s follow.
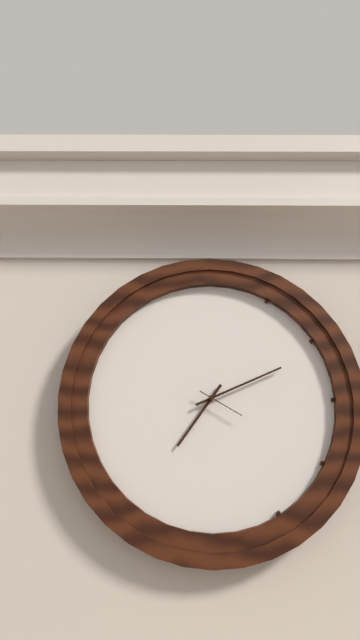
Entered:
7h11
